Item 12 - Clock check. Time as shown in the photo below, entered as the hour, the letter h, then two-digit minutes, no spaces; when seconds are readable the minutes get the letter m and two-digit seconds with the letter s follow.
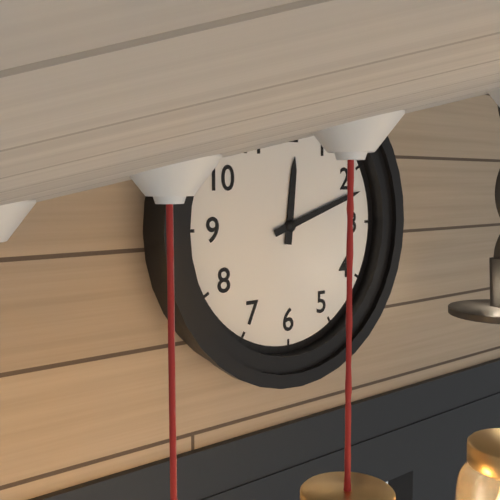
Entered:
12h12
